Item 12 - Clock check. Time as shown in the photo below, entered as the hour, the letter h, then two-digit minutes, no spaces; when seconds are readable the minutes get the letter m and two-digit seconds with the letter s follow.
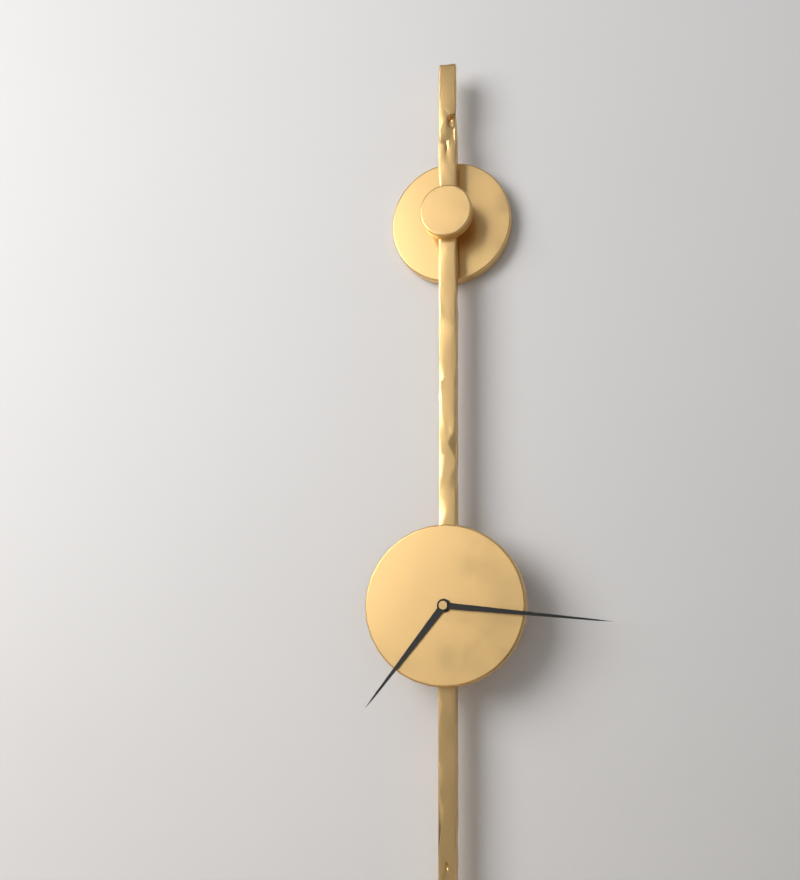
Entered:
7h16
